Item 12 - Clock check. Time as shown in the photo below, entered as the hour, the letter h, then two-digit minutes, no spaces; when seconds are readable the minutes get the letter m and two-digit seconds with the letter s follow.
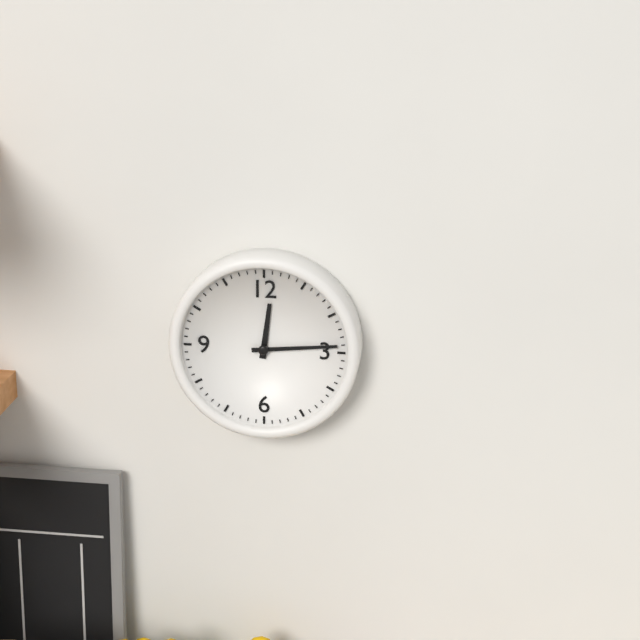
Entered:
12h14
